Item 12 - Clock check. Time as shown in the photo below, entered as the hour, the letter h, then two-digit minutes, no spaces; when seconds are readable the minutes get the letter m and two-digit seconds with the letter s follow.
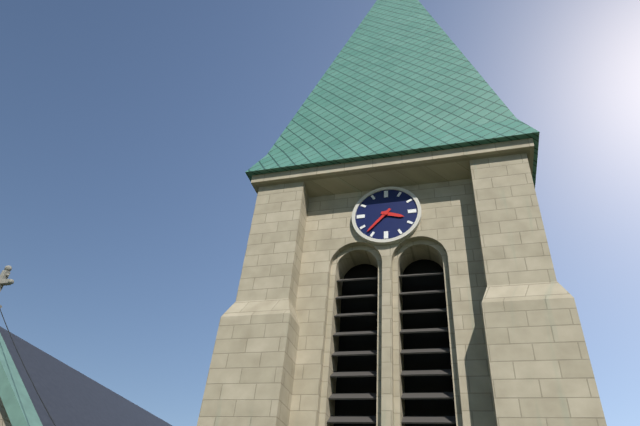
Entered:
3h37
